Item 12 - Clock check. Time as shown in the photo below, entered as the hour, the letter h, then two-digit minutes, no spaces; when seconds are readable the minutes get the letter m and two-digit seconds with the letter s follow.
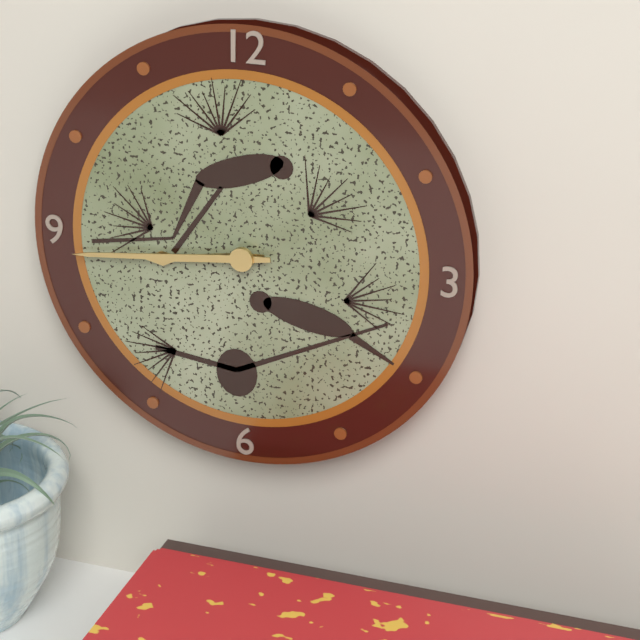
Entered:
8h44
